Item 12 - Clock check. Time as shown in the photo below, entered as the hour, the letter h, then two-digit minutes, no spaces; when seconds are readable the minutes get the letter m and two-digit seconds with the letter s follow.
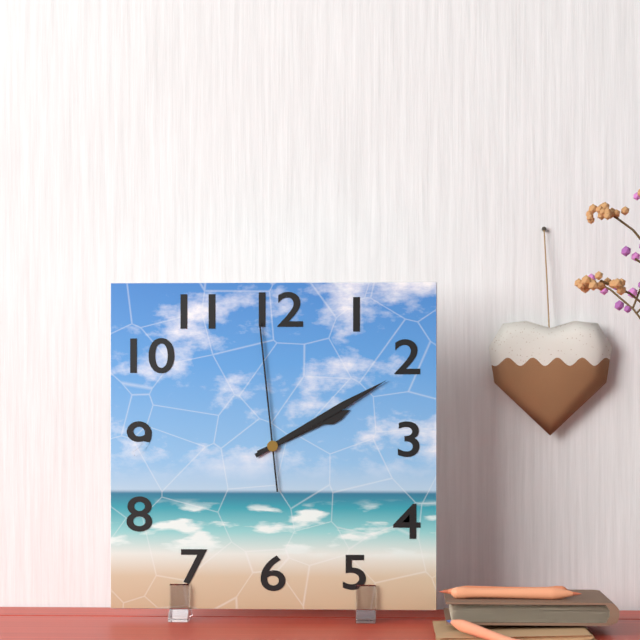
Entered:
2h10m59s
